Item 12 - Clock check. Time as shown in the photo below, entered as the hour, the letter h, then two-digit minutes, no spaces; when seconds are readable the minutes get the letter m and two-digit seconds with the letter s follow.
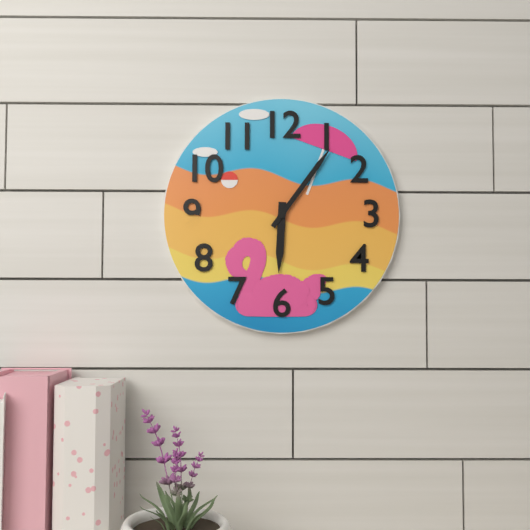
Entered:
6h06
